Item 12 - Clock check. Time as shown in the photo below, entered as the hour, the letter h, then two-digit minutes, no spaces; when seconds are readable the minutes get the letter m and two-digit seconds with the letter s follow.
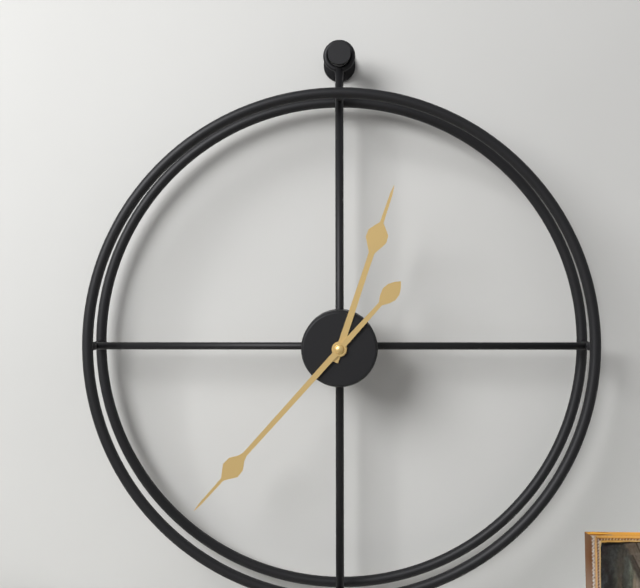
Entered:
12h37
